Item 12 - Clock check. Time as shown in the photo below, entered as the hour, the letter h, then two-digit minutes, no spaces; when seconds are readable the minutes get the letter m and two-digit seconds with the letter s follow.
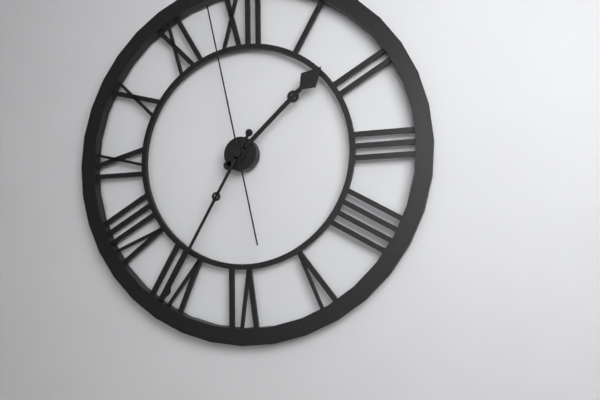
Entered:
1h35m58s
